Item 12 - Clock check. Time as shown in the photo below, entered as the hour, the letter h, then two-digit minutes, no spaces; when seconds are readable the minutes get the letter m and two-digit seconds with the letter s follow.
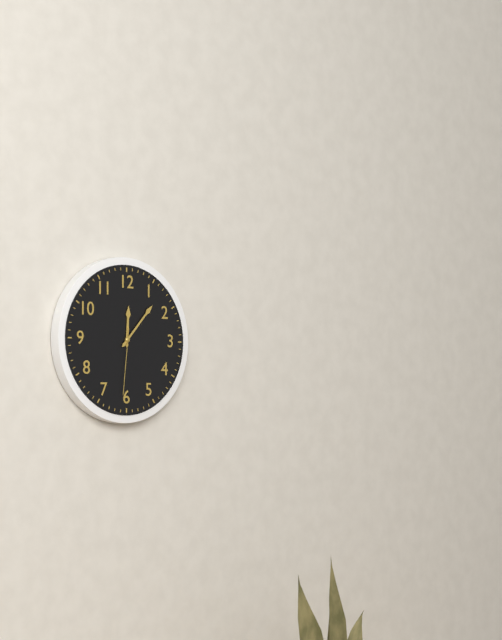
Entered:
12h07m31s
